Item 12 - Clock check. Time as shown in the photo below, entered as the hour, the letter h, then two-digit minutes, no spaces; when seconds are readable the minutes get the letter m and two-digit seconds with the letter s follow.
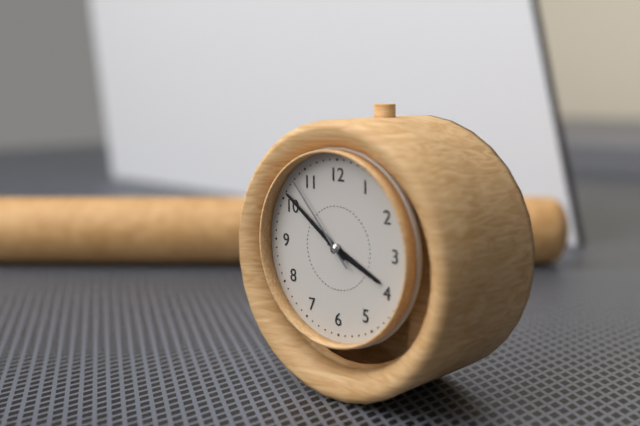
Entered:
3h51m53s
